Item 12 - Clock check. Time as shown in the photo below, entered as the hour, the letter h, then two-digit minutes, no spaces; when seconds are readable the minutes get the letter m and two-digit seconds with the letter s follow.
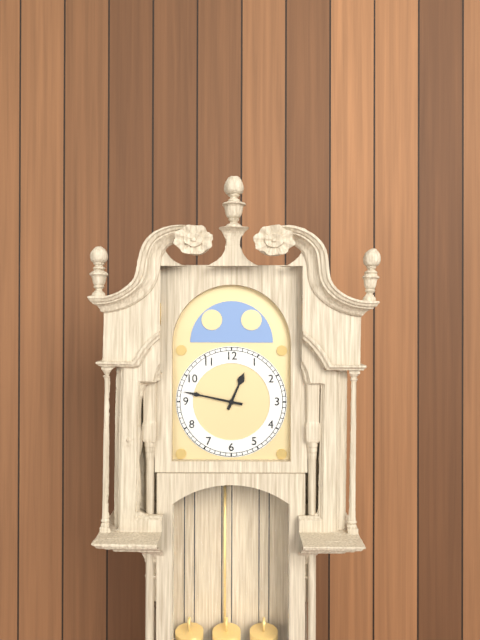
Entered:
12h47
